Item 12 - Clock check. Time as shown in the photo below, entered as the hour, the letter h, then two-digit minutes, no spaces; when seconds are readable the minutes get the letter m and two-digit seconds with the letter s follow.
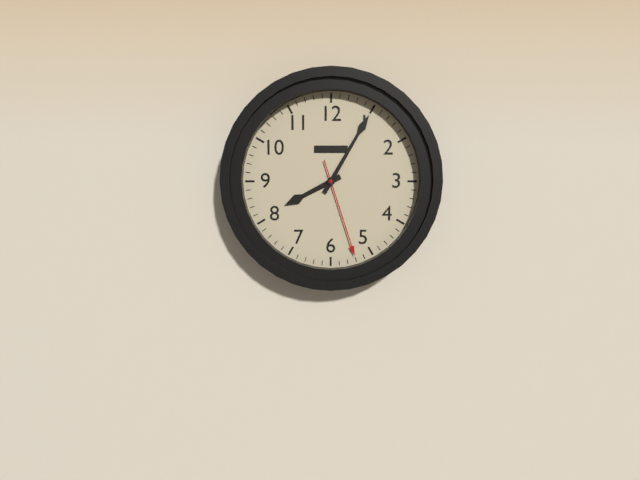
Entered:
8h05m27s
